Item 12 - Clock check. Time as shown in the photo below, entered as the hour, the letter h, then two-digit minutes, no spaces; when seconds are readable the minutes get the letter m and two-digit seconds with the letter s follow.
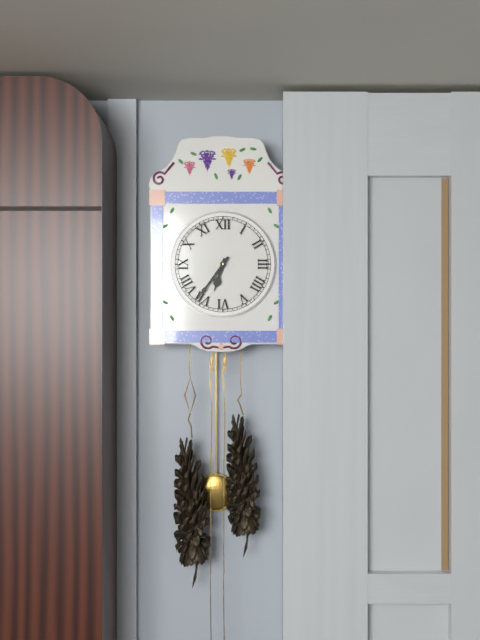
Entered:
6h36
